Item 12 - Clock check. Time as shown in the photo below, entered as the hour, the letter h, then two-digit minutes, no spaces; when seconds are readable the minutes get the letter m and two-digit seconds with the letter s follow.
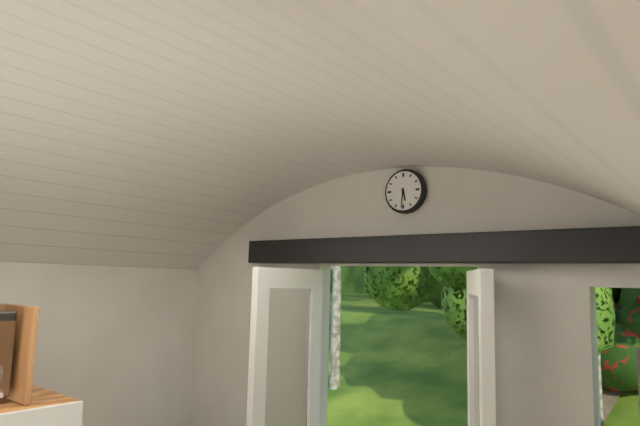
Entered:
5h31
